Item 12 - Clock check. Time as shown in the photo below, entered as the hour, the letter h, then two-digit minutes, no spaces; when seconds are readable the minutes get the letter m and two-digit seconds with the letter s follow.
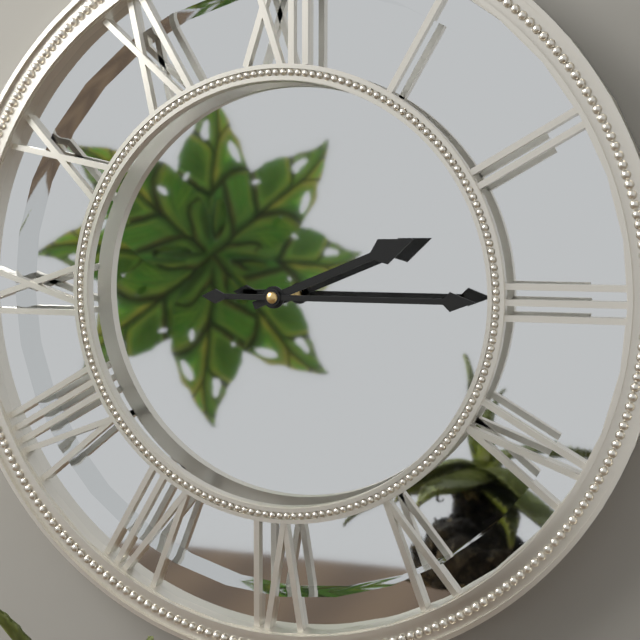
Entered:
2h15
